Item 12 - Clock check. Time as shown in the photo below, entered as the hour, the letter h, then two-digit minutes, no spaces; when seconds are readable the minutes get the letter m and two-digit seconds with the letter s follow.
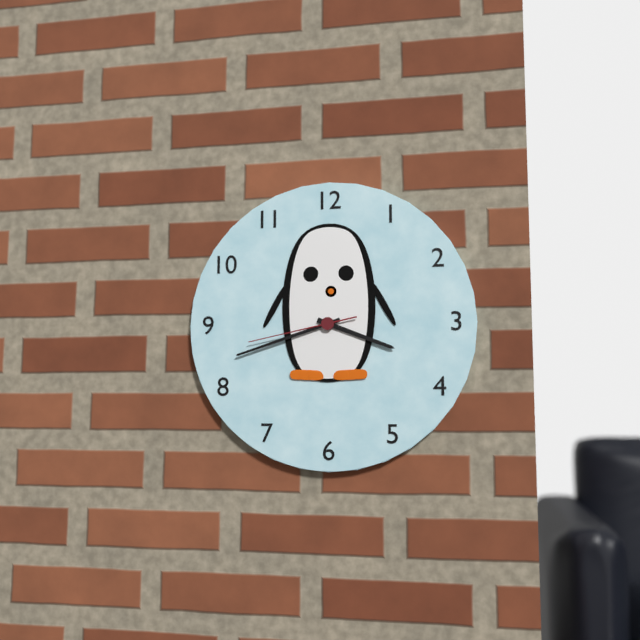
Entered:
3h42m43s
